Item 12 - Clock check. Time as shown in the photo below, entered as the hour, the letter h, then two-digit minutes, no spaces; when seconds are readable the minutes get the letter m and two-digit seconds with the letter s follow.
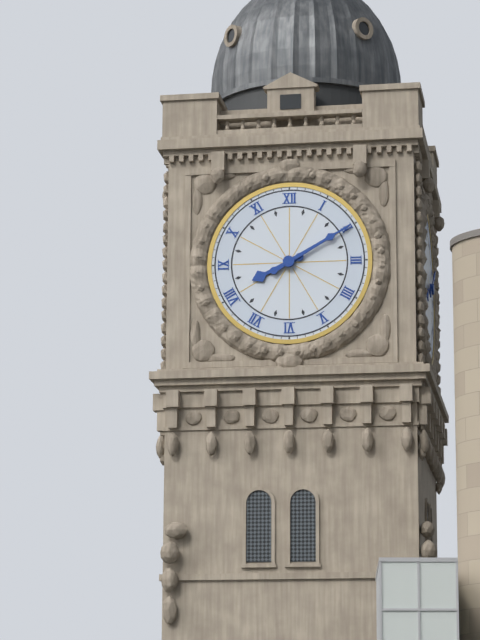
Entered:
8h10
